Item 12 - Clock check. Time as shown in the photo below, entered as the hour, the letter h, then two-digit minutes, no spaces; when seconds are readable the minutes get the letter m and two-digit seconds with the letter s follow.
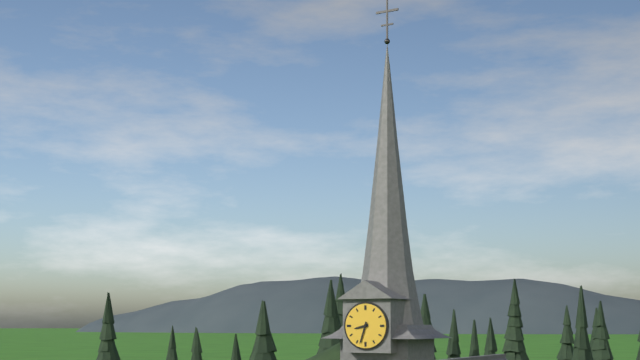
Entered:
8h33
